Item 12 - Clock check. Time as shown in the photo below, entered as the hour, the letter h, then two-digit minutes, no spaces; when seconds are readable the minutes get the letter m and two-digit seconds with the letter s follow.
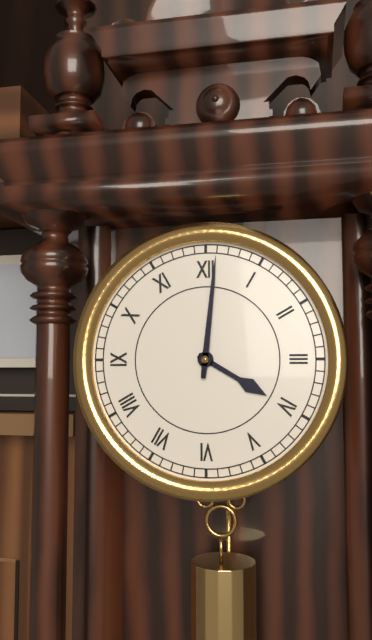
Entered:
4h01
